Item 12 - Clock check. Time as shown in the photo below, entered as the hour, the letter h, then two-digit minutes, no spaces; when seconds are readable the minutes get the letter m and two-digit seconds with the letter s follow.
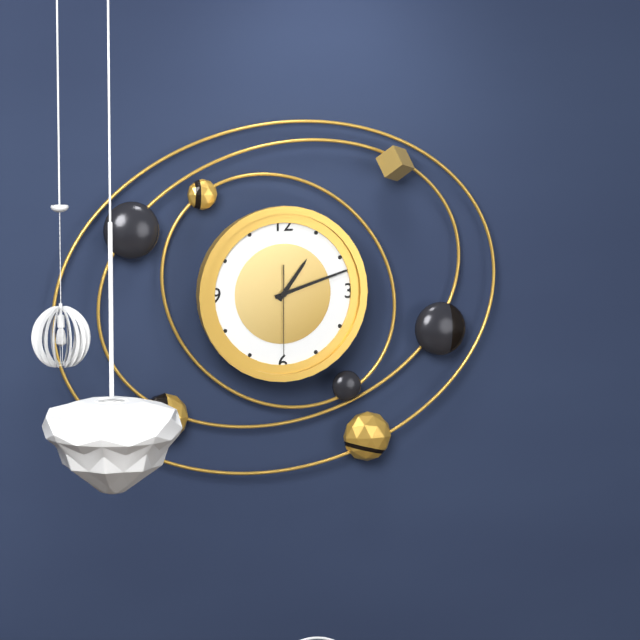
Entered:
1h12m30s
